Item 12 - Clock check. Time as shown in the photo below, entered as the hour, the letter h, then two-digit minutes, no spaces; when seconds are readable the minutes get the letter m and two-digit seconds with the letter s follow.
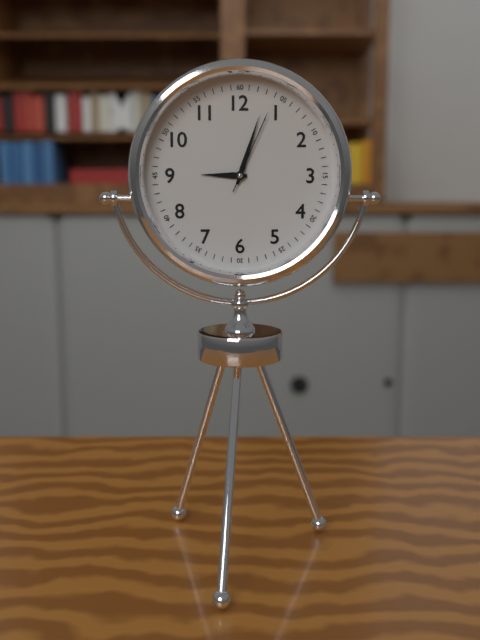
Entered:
9h03m04s
